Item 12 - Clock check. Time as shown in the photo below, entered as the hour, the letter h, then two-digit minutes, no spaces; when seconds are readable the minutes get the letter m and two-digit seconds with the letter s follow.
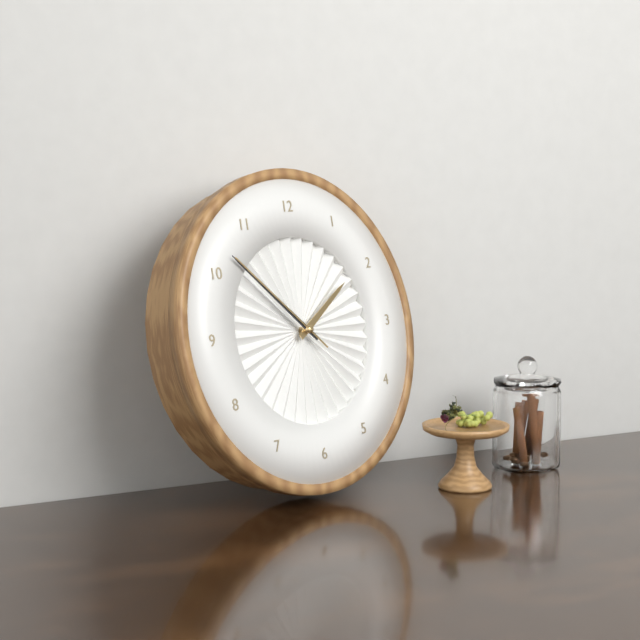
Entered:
1h52m52s
